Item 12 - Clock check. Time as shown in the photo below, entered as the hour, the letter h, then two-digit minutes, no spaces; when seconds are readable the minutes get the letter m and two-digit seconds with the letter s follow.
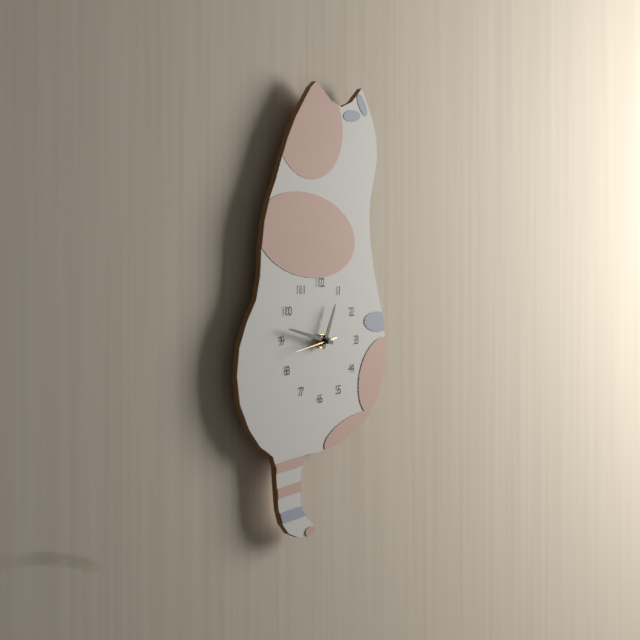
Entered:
12h47
